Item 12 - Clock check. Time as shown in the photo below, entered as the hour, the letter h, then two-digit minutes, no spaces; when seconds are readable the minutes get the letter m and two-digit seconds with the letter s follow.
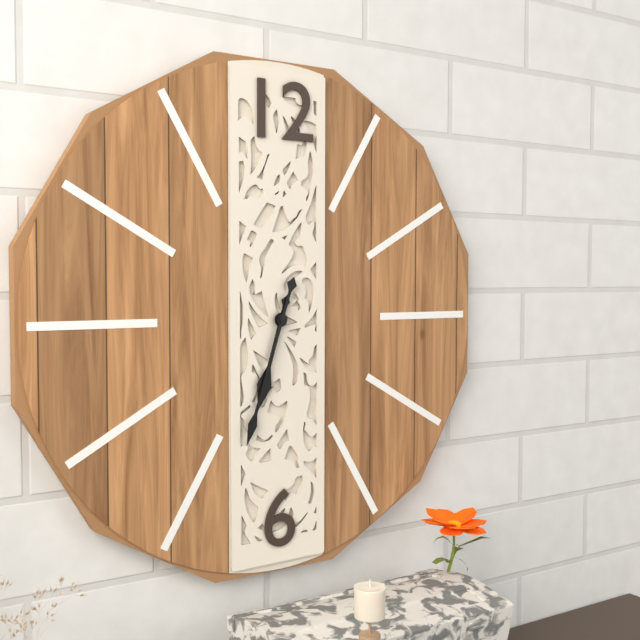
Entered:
6h33
